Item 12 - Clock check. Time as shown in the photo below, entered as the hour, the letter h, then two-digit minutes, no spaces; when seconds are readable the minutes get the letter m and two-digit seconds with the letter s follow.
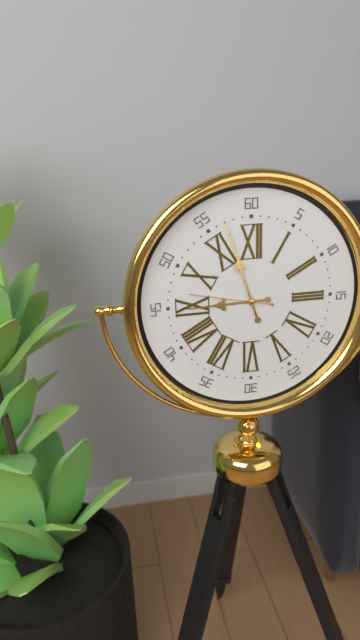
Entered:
8h57m47s
